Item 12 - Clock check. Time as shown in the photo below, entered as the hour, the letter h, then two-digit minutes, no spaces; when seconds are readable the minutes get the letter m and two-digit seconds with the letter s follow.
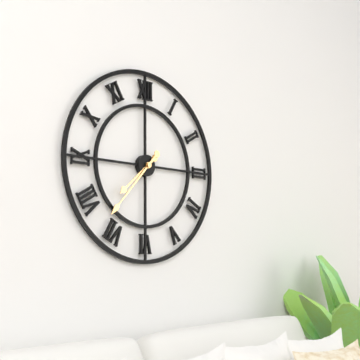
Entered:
7h37
